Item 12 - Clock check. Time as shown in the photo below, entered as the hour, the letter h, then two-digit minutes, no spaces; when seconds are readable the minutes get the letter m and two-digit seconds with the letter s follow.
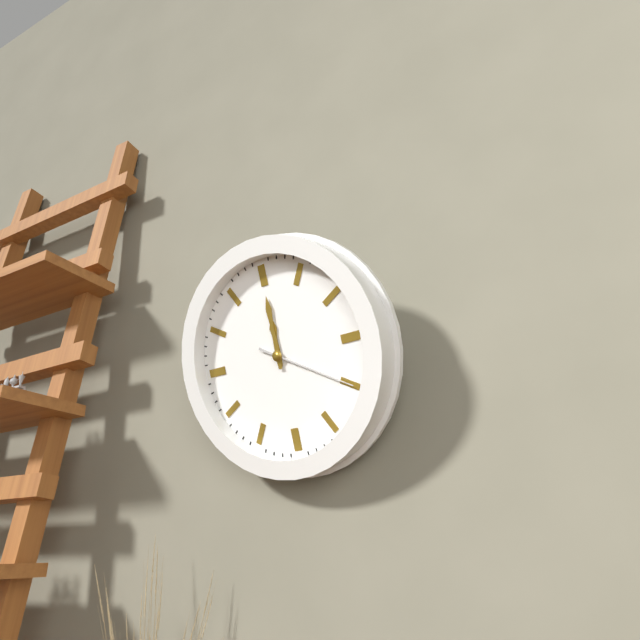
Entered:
12h00m20s
